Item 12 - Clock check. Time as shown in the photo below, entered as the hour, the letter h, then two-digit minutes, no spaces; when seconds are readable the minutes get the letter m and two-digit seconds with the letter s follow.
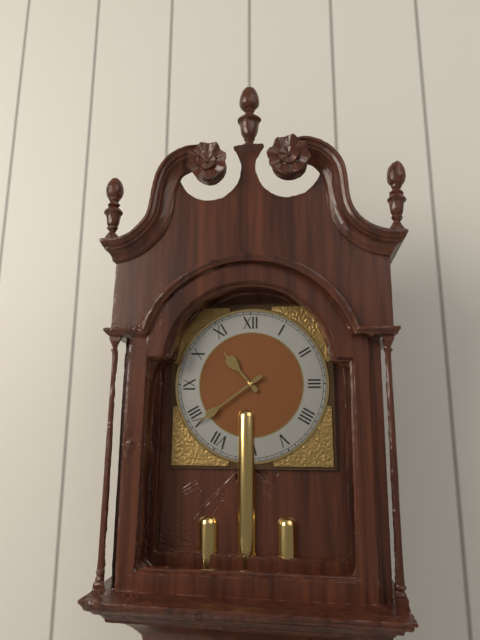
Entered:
10h39
